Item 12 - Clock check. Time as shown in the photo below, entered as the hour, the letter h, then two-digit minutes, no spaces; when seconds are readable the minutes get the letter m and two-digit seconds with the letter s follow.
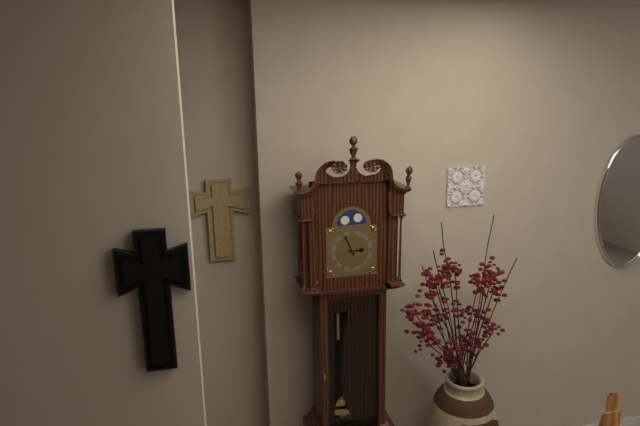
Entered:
2h56
